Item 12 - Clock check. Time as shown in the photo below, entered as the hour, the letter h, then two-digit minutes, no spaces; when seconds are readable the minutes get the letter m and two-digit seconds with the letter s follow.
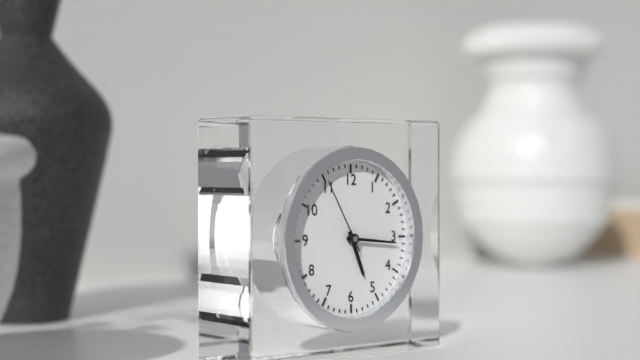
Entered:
5h16m55s
